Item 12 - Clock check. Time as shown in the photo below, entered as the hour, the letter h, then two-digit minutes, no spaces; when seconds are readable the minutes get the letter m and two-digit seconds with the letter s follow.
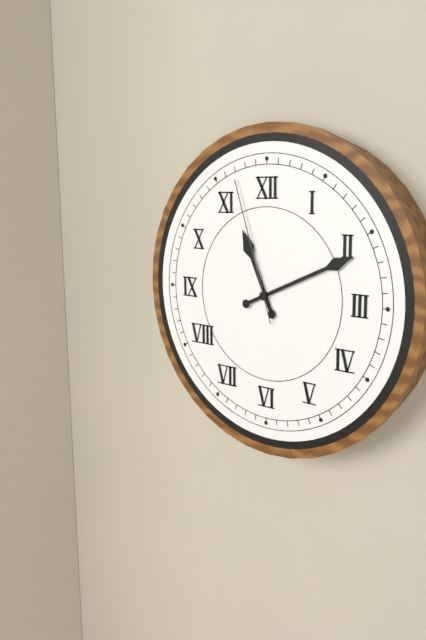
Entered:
11h11m57s
